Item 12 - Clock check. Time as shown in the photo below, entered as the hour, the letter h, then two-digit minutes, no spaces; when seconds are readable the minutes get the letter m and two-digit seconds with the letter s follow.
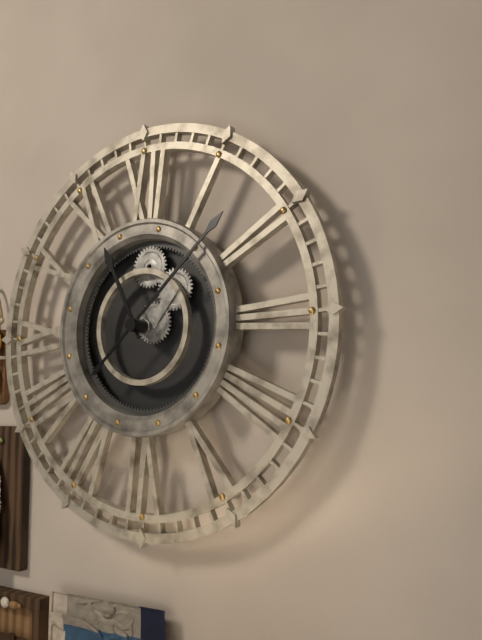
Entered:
11h08
